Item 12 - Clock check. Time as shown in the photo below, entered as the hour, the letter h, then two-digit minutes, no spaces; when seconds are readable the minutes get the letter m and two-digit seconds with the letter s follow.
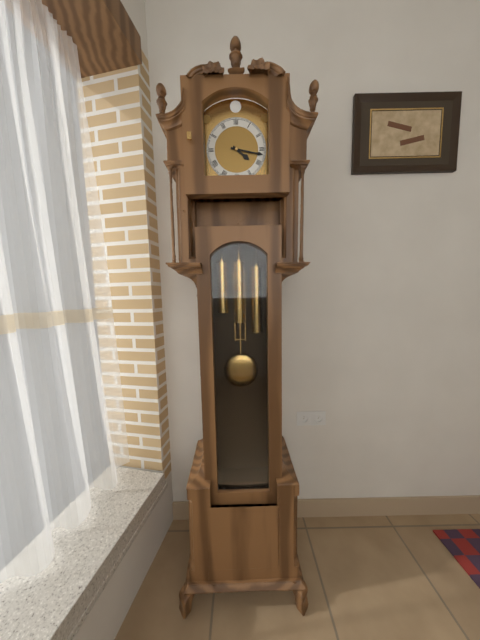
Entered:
4h17
